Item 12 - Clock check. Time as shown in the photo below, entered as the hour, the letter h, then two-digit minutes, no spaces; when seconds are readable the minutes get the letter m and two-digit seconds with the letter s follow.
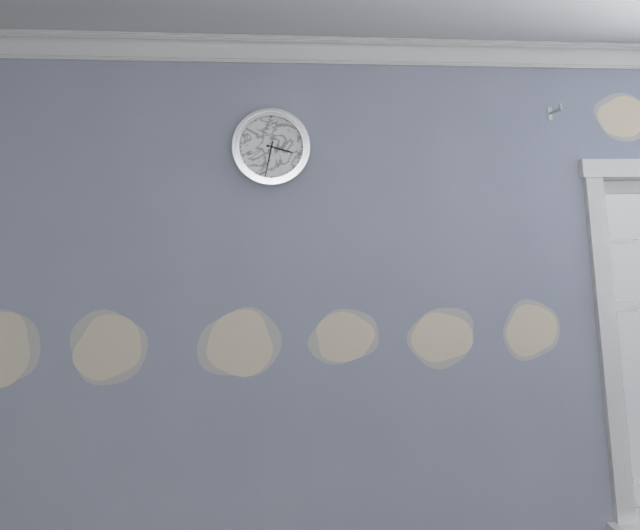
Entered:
3h32
